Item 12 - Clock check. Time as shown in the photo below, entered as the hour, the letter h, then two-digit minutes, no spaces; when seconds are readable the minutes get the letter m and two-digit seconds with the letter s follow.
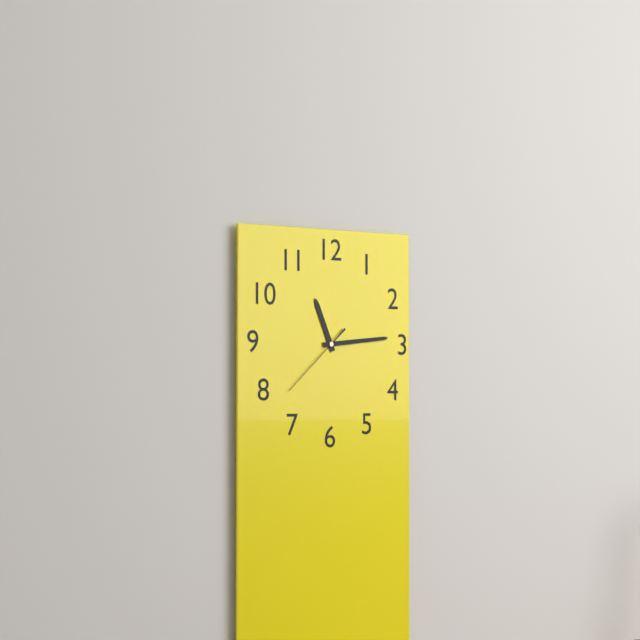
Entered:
11h14m38s
